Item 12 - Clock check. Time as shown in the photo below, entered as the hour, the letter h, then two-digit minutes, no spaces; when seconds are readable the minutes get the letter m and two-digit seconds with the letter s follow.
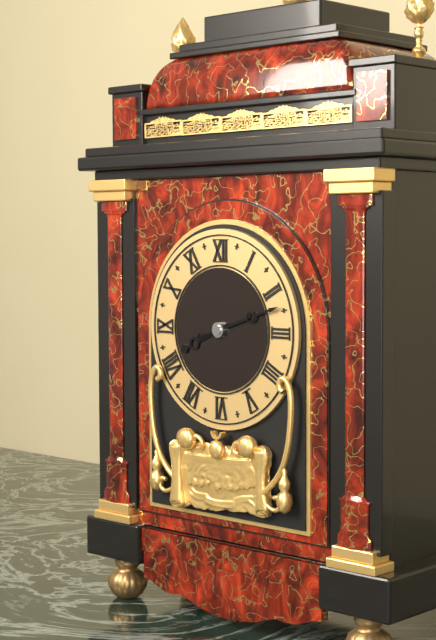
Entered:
8h12
